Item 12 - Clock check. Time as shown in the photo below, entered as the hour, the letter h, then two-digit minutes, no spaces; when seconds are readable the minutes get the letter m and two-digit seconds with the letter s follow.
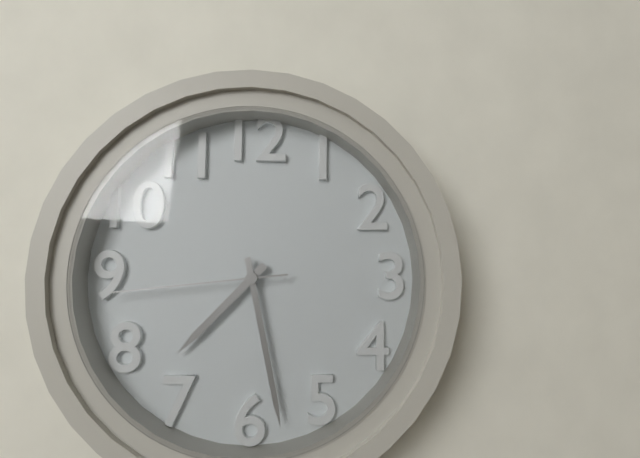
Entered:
7h28m44s
